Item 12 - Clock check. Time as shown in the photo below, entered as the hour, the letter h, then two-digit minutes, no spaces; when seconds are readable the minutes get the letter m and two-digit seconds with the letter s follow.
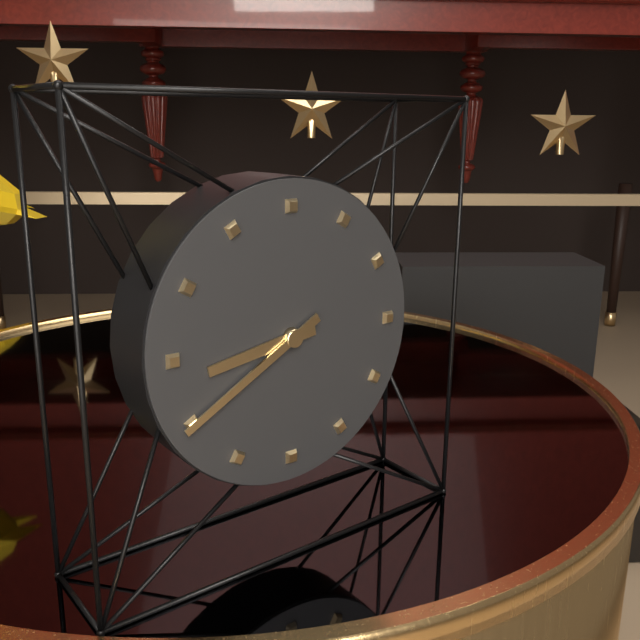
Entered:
8h40
